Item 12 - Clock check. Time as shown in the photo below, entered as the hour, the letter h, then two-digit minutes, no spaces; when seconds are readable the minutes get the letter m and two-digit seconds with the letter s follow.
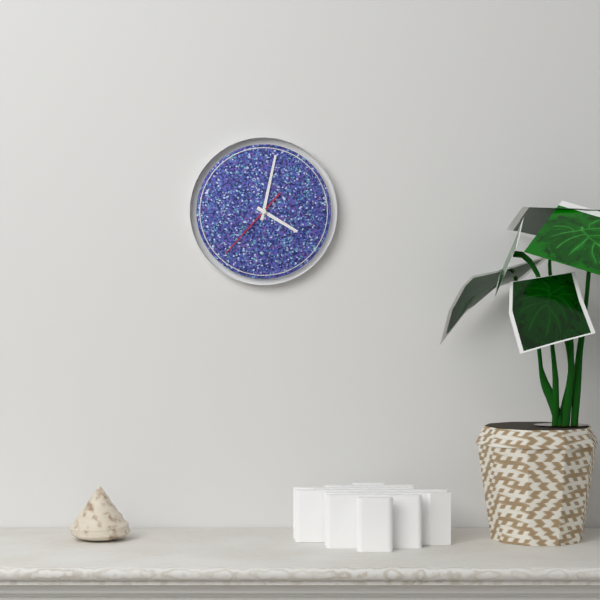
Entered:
4h02m37s
